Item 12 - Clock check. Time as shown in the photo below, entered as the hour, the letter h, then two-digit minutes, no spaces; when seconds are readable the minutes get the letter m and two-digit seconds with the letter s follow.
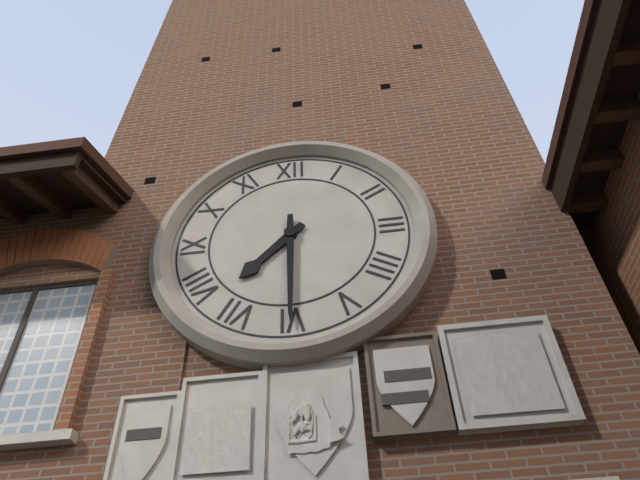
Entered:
7h30
